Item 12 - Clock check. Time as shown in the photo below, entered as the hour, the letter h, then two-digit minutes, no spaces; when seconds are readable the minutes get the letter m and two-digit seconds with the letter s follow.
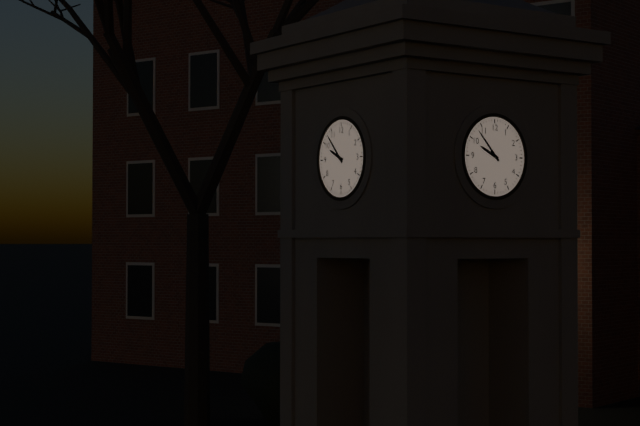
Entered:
9h53
